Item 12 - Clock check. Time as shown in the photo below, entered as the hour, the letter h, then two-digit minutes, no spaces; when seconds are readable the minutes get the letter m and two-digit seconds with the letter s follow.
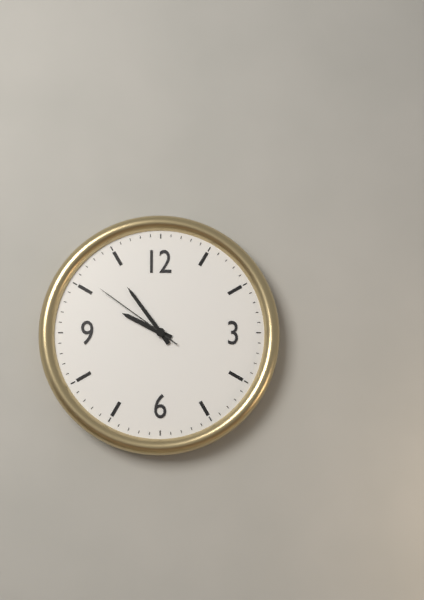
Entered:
9h54m51s
